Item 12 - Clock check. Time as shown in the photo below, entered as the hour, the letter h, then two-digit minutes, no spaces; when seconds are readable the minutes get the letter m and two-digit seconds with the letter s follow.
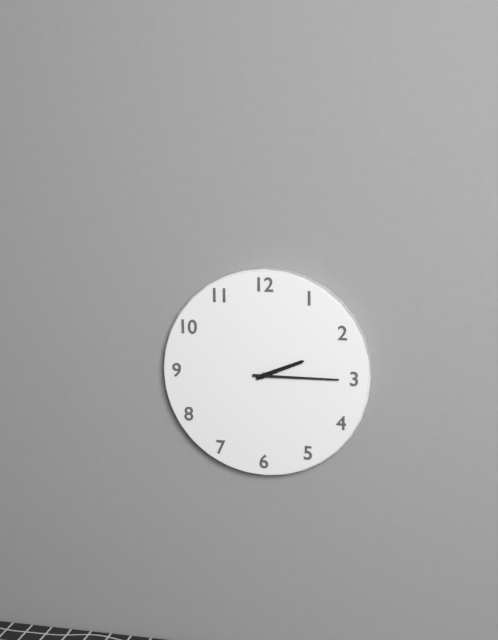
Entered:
2h15
